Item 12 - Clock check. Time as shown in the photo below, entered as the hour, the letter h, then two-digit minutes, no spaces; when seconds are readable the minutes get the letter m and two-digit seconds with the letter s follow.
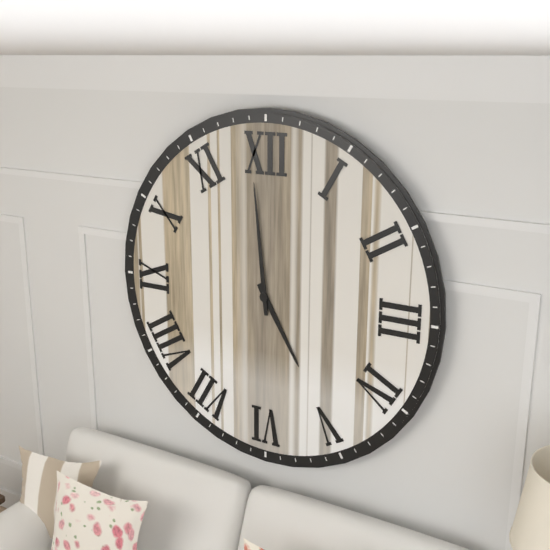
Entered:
4h59
